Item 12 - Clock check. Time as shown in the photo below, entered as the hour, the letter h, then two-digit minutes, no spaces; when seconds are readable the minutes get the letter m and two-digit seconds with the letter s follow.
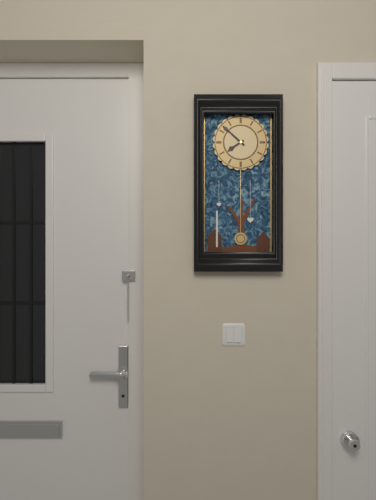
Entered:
7h52
